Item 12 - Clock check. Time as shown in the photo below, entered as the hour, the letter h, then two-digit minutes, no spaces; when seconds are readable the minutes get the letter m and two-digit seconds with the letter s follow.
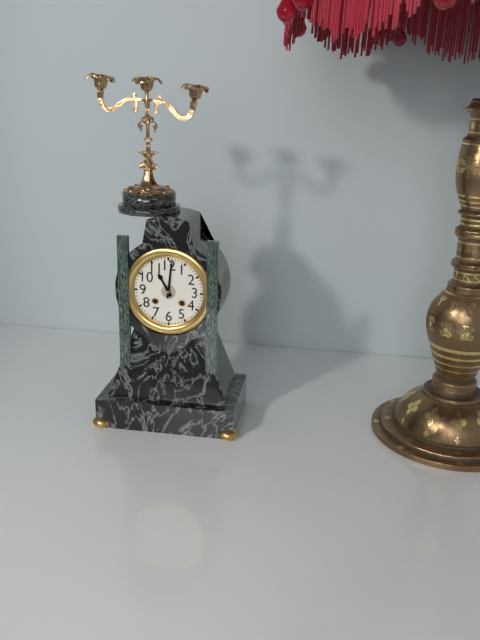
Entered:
11h01
